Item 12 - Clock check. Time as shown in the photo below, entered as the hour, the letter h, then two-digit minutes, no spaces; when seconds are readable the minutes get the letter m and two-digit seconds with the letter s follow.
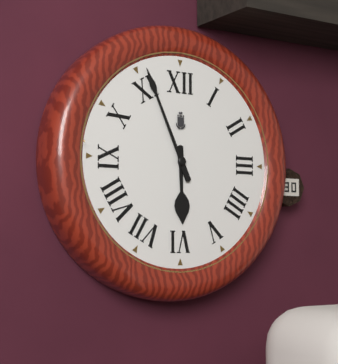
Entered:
5h56
